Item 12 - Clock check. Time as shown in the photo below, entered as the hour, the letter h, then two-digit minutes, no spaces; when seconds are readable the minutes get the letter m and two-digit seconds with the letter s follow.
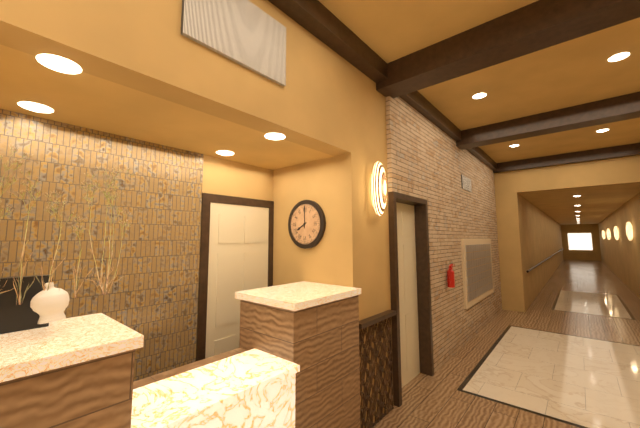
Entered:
8h00
